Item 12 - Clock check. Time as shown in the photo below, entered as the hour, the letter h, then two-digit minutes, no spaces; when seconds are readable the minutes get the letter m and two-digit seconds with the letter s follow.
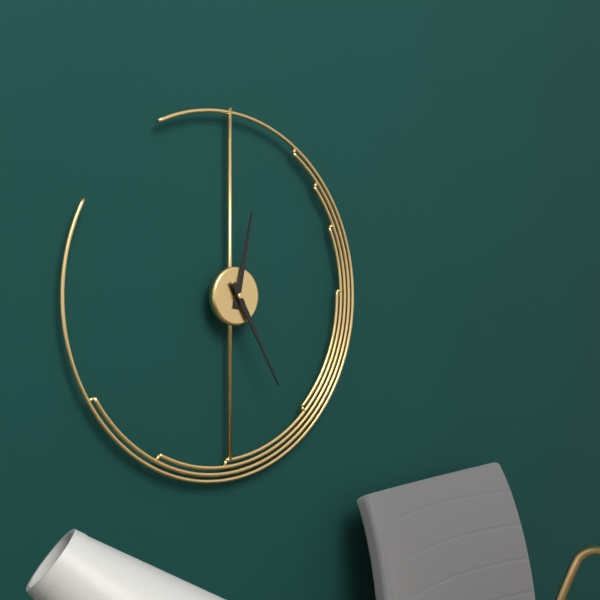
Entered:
12h25
